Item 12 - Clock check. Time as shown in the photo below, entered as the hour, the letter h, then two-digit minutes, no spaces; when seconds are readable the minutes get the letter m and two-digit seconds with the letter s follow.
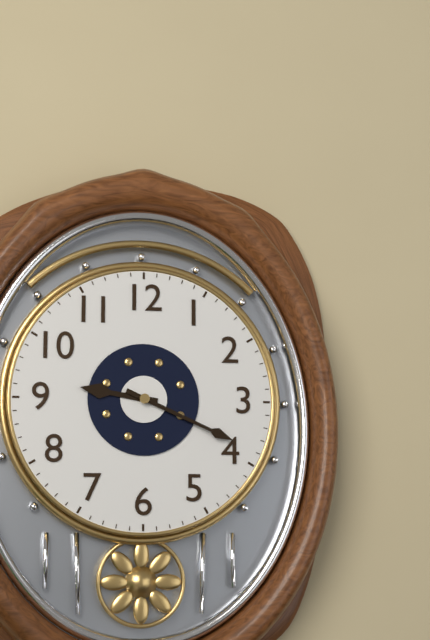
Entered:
9h19
